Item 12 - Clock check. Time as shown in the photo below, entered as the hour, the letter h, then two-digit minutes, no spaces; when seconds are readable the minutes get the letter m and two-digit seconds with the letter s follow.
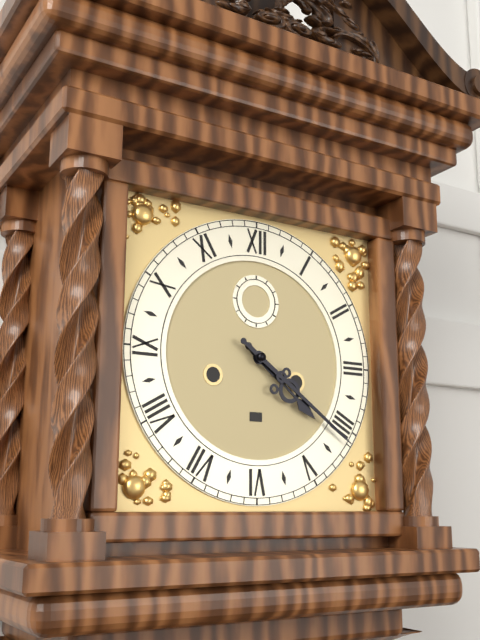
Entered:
4h21
